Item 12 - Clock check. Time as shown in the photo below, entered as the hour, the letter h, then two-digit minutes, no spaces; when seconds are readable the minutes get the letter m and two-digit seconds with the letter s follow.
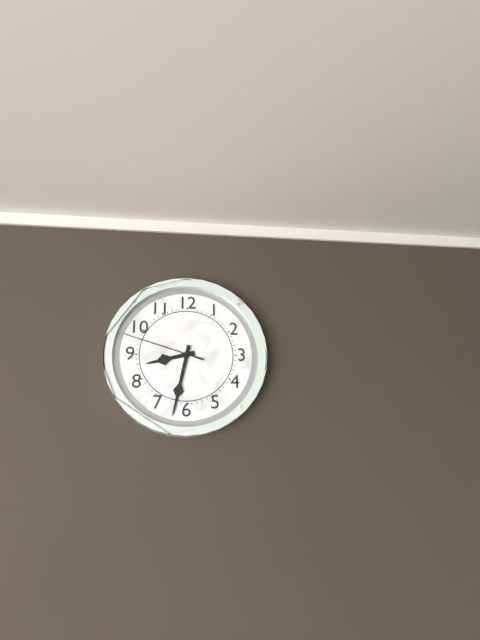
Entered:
8h32m48s
